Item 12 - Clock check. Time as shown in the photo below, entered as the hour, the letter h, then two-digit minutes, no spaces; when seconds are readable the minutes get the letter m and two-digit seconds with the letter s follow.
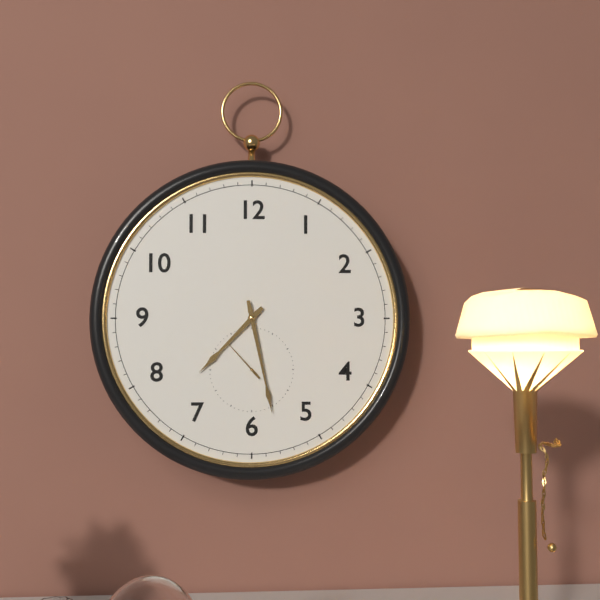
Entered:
7h28
